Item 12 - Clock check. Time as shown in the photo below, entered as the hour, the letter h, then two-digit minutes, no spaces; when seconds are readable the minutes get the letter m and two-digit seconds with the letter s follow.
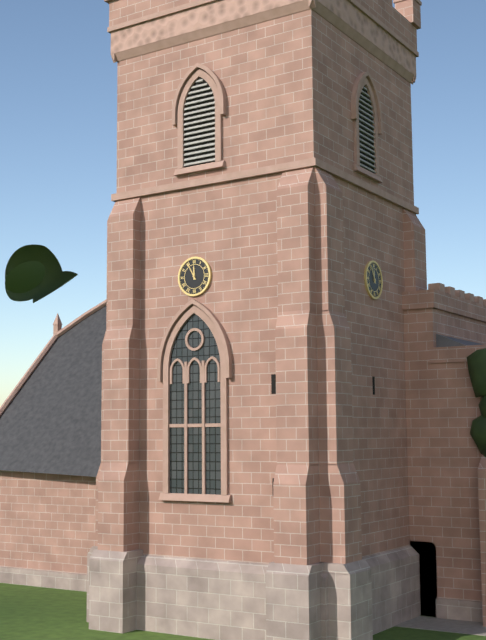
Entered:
11h55
